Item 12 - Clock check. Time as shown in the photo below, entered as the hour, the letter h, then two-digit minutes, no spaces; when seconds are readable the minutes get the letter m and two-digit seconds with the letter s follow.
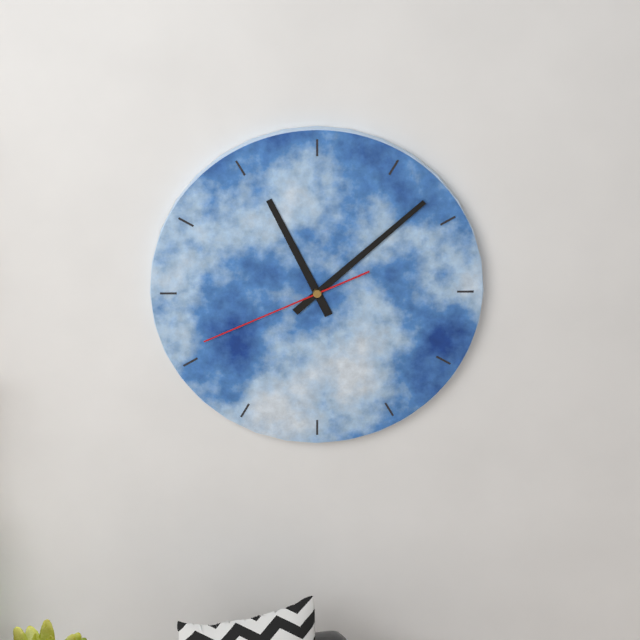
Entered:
11h08m41s
